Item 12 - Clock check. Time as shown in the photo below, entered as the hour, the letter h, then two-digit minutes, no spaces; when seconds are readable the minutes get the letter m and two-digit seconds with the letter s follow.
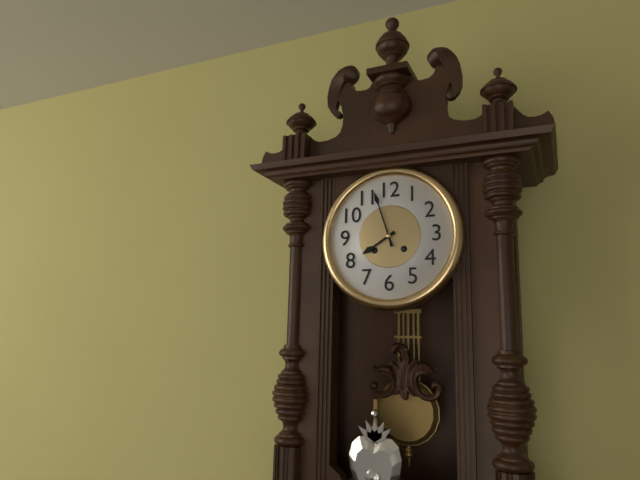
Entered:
7h57
